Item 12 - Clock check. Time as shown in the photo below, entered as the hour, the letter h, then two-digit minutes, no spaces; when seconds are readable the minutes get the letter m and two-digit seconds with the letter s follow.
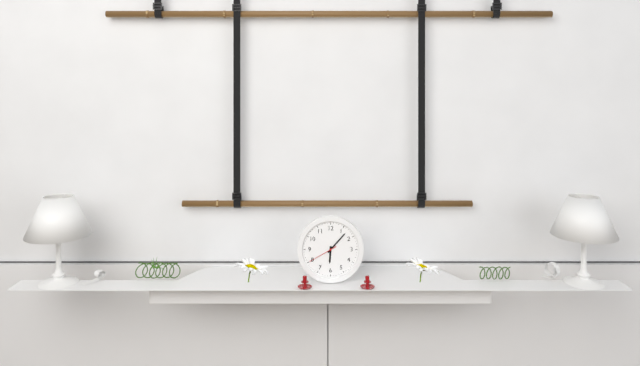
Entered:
6h07
